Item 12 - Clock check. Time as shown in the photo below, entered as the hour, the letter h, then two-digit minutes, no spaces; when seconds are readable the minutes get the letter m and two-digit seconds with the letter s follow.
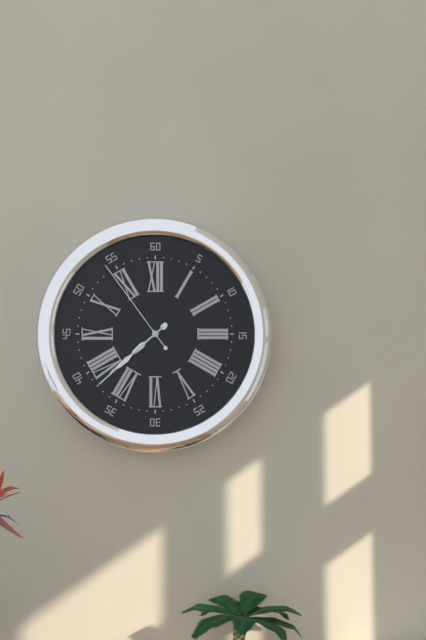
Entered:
7h38m54s
